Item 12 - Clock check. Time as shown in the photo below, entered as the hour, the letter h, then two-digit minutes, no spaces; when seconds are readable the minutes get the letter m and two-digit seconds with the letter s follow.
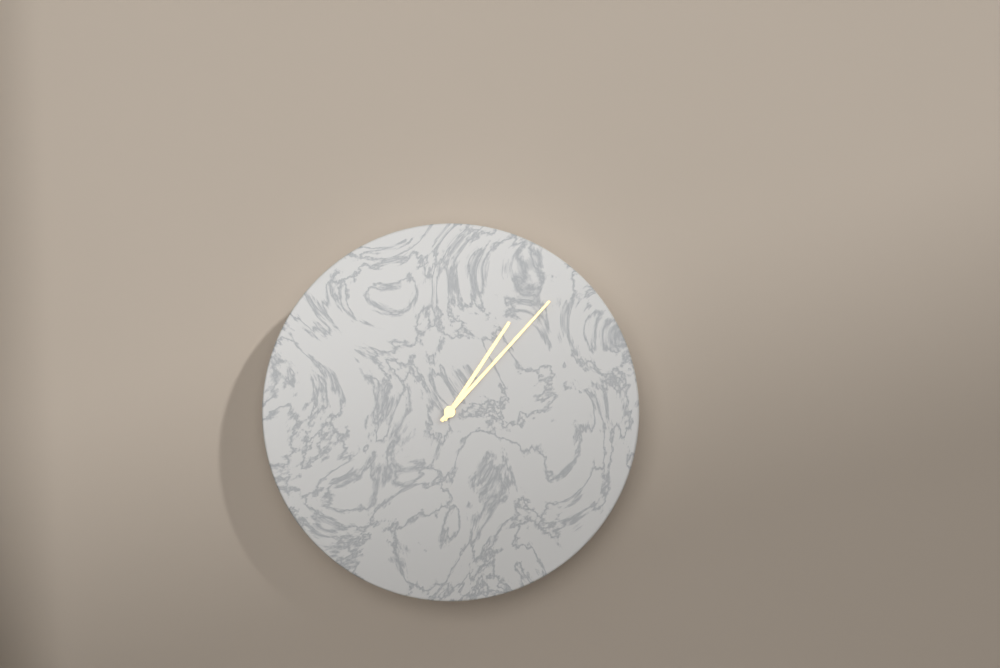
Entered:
1h07
